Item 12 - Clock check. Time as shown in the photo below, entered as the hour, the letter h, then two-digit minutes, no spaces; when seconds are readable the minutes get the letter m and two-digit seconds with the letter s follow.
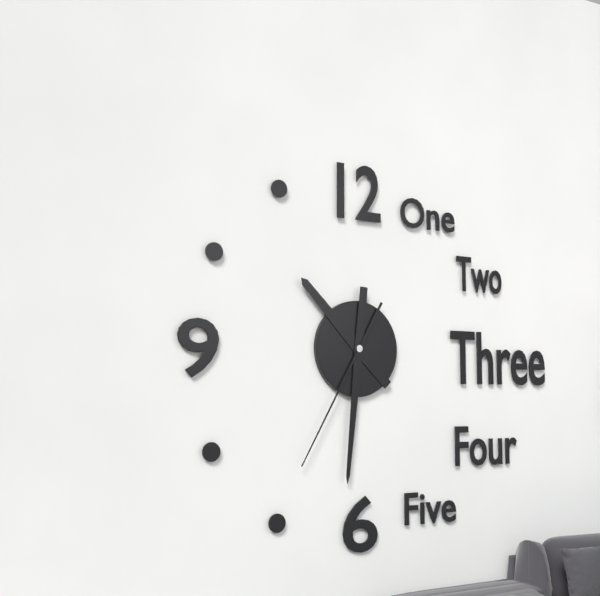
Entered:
10h31m35s
